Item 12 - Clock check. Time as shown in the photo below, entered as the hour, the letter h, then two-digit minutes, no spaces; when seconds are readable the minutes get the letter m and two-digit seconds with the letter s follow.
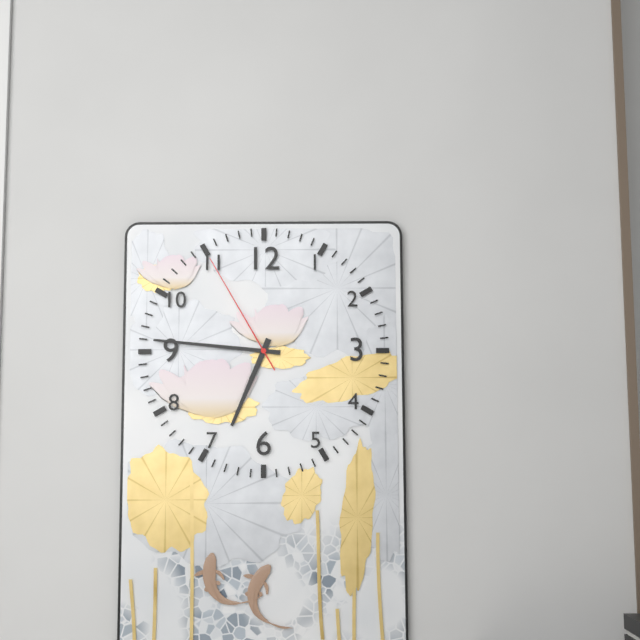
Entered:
6h46m55s
